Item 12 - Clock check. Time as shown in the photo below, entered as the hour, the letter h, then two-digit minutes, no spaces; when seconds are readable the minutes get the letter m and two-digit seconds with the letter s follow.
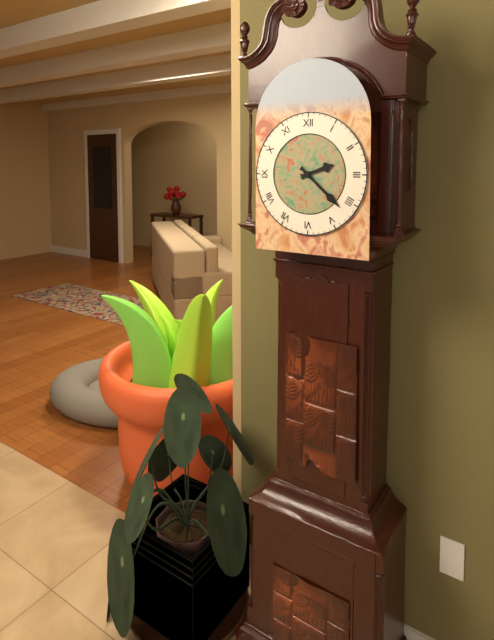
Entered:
2h22
